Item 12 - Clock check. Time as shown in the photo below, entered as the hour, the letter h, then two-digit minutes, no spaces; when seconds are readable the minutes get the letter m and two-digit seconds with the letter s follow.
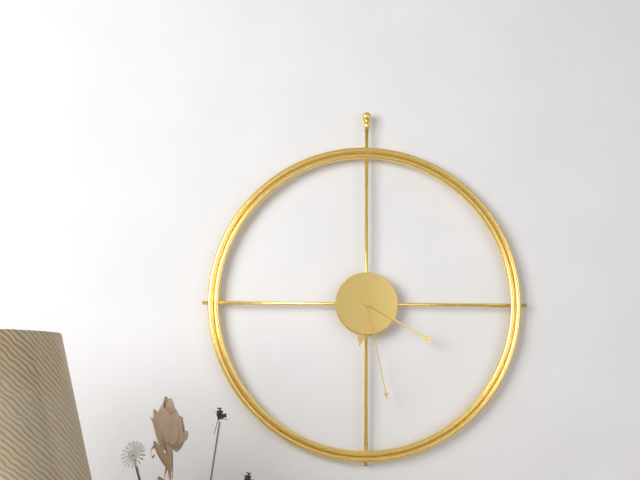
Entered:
6h20m28s
